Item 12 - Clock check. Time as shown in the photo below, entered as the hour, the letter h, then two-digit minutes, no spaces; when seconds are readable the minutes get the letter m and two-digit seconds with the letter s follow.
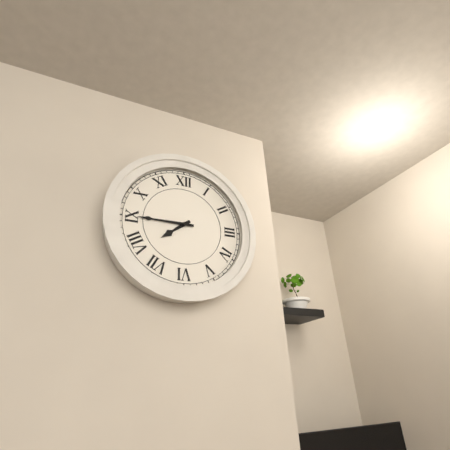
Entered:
7h45
